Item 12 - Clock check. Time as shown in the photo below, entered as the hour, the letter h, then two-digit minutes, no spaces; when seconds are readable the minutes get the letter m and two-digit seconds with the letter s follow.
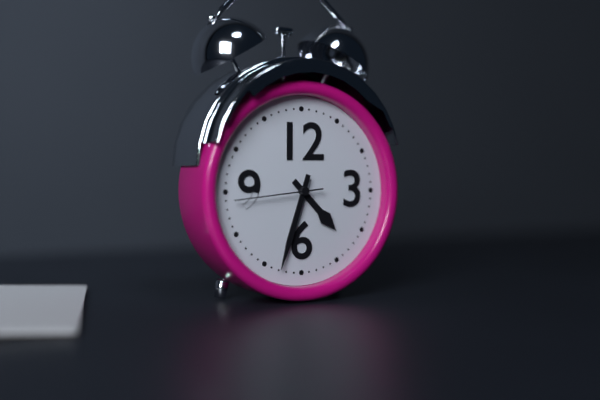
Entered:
4h33m44s
